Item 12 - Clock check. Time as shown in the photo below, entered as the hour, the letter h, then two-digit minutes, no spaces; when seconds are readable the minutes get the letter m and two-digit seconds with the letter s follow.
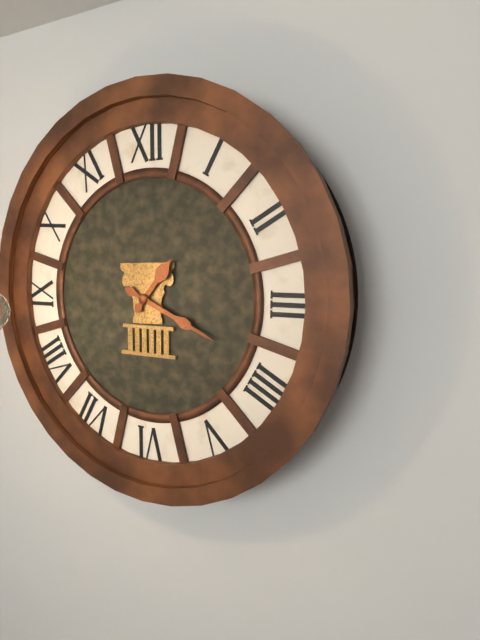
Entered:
1h19
